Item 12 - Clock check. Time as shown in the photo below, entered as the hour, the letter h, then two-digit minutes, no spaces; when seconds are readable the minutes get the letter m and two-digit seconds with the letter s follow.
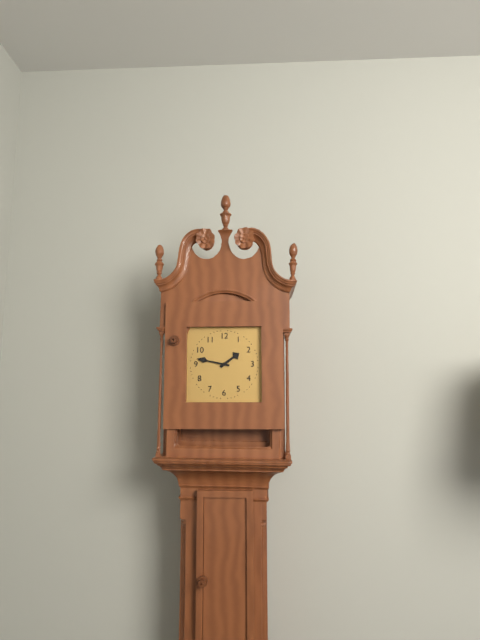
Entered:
1h47
